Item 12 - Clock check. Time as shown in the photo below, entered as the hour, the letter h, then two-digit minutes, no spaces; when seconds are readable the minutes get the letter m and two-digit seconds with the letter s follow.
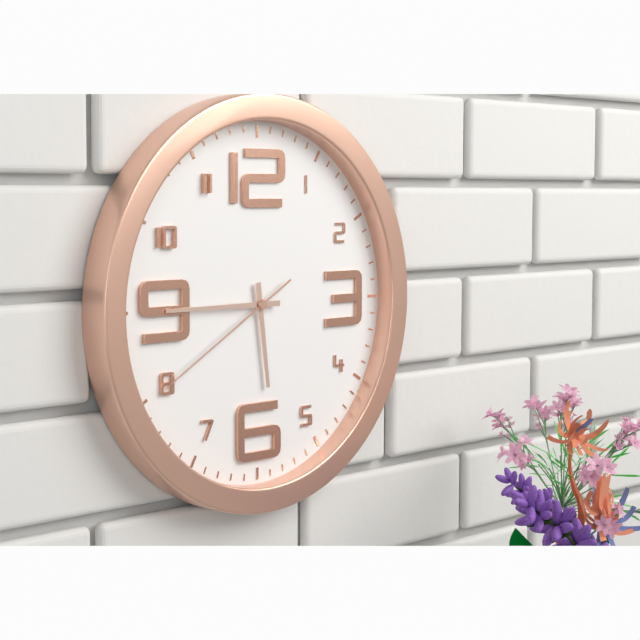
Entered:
5h45m40s
